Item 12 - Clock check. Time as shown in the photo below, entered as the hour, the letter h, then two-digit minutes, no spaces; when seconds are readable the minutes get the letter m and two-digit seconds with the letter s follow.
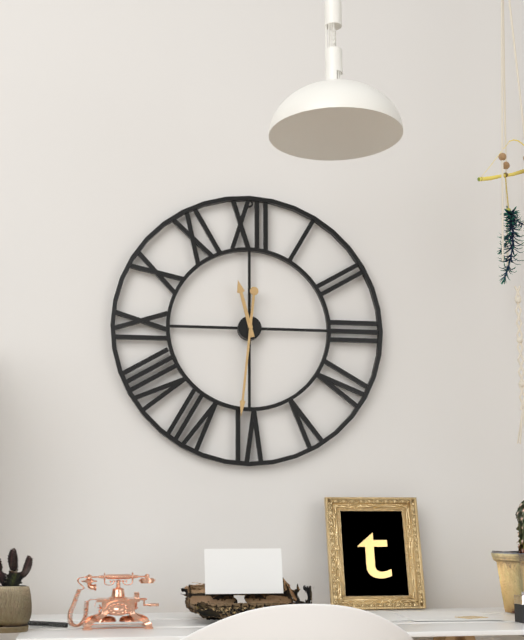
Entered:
11h31
